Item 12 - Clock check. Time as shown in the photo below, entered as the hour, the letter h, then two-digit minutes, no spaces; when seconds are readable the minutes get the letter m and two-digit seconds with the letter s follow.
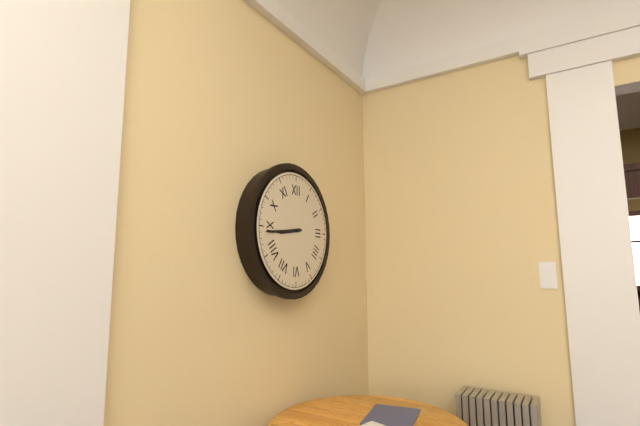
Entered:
8h44
